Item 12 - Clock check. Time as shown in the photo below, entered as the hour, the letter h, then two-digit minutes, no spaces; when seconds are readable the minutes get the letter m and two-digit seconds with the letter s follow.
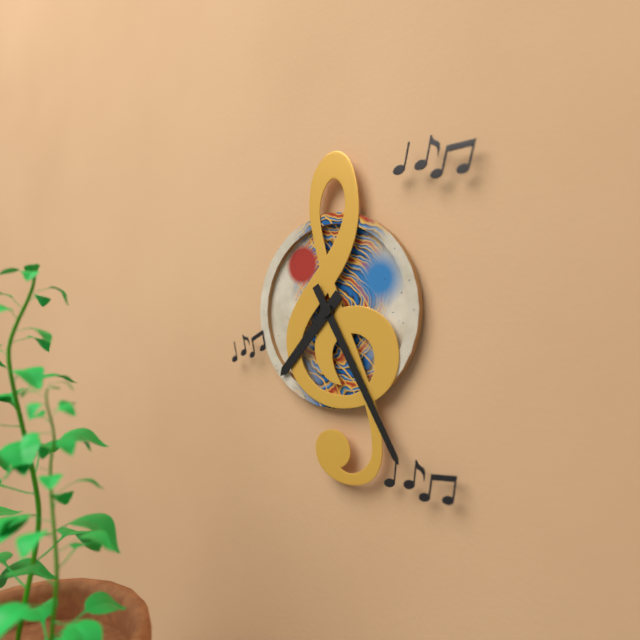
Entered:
7h25
